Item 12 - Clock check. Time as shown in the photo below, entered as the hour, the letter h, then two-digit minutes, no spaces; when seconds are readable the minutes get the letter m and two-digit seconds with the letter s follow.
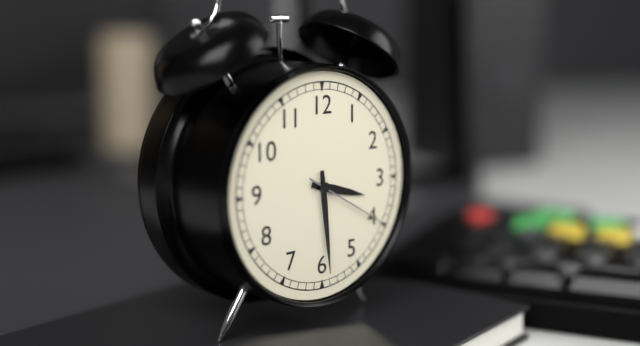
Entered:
3h29m20s
